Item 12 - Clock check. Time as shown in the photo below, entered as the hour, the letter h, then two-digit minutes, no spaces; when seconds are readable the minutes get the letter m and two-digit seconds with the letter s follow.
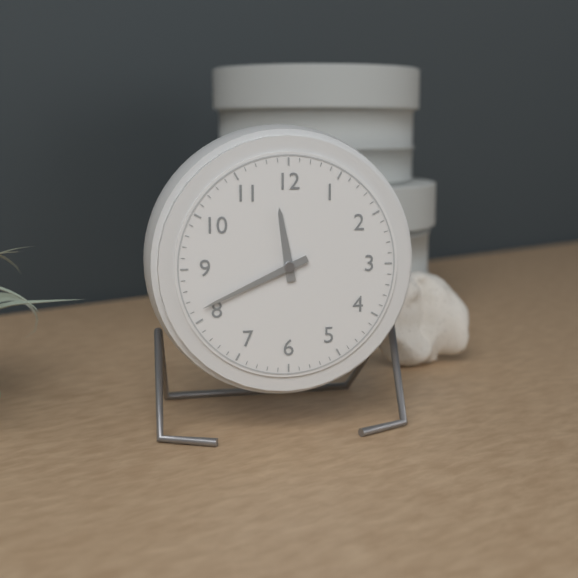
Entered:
11h41
